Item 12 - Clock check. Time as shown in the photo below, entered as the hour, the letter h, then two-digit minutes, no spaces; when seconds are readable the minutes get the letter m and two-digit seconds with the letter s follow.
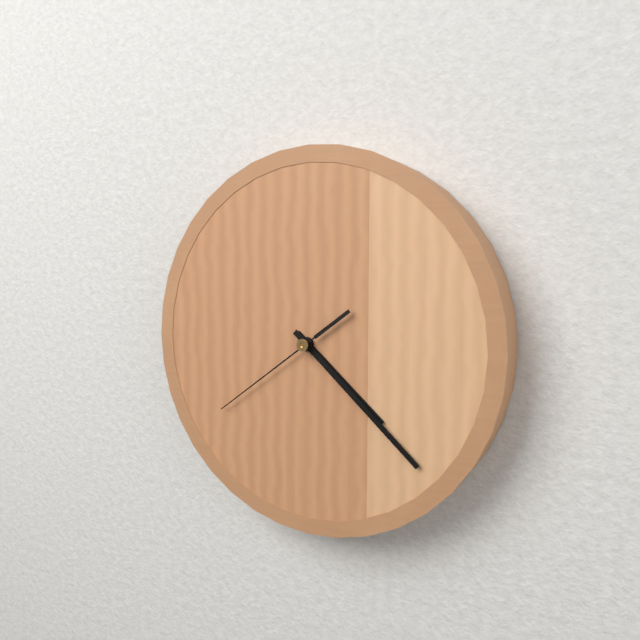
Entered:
4h22m39s
